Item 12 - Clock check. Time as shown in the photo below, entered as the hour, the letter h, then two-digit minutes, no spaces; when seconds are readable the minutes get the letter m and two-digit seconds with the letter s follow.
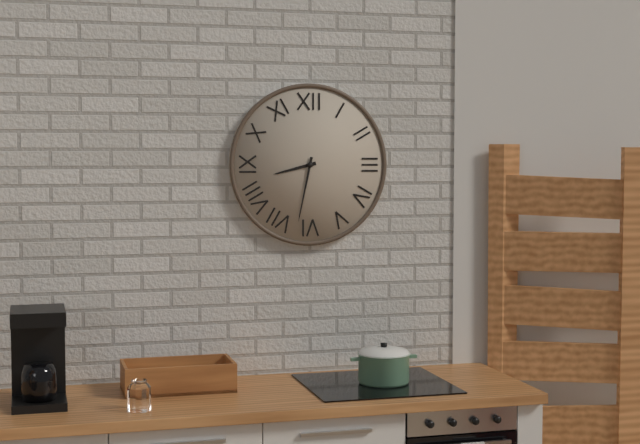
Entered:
8h32
